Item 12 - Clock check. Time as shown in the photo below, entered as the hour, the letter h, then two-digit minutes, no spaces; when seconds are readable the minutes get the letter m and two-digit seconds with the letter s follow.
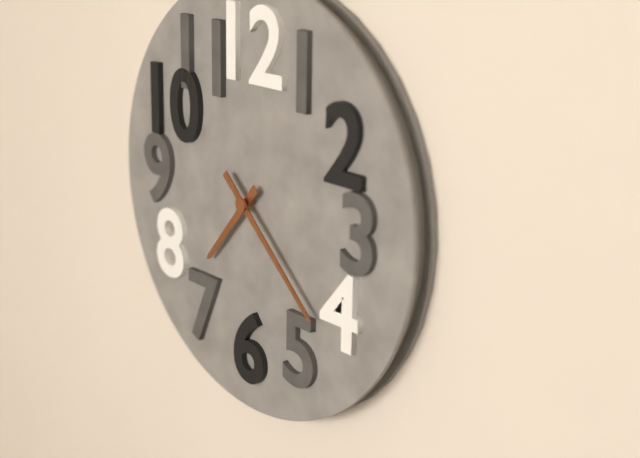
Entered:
7h22
